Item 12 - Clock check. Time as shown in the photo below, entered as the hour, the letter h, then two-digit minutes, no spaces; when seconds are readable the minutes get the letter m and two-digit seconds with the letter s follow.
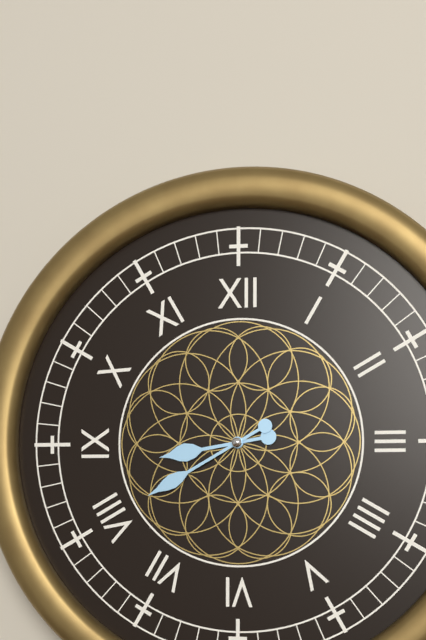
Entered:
8h40
